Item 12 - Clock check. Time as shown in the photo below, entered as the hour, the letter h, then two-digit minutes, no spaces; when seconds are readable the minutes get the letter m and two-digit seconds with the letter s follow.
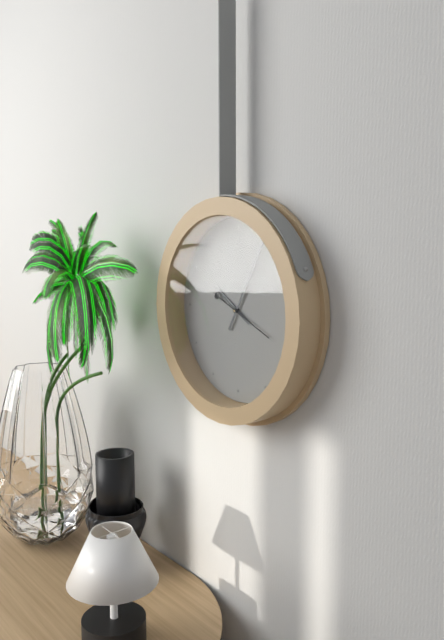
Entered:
10h05
